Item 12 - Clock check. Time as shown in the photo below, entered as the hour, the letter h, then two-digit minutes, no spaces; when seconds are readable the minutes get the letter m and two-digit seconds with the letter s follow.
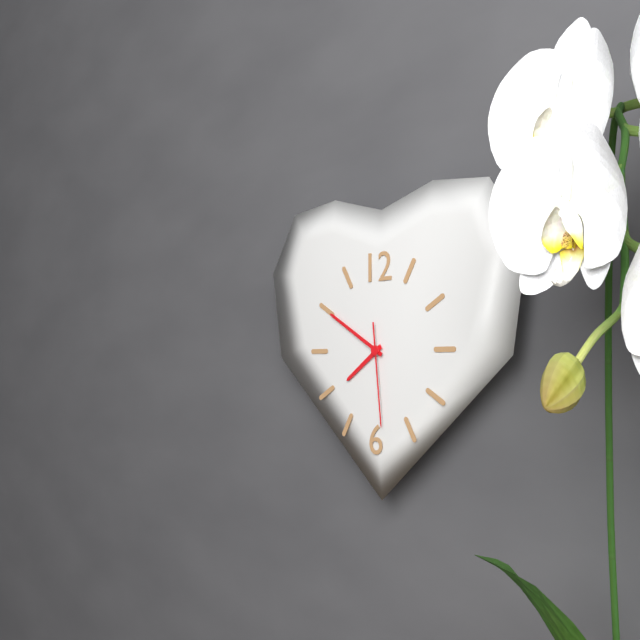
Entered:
7h50m29s
